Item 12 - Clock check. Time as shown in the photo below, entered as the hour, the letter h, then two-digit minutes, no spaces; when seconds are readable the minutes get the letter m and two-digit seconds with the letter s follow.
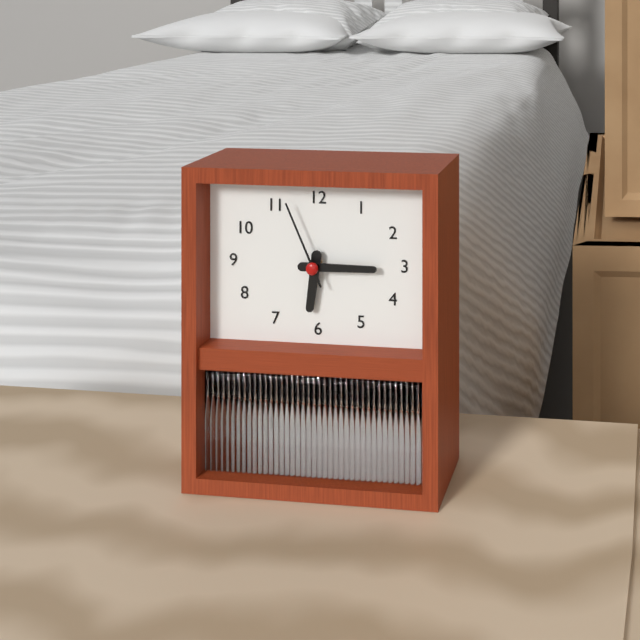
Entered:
6h15m56s
